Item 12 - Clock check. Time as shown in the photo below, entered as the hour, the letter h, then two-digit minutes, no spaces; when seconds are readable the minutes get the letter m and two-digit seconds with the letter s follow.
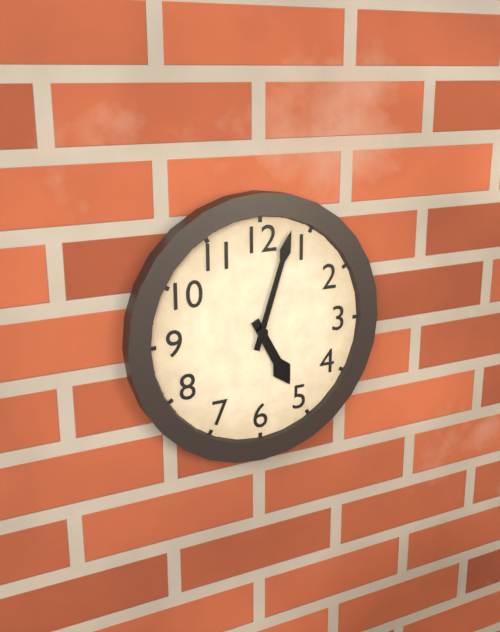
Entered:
5h03
